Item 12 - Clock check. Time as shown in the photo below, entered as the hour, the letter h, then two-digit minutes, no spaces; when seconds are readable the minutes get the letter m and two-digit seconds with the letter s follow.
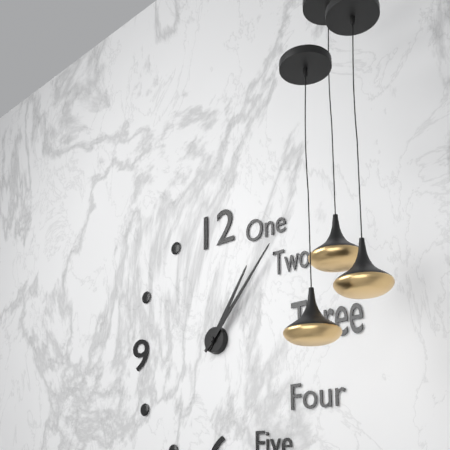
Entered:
1h07
